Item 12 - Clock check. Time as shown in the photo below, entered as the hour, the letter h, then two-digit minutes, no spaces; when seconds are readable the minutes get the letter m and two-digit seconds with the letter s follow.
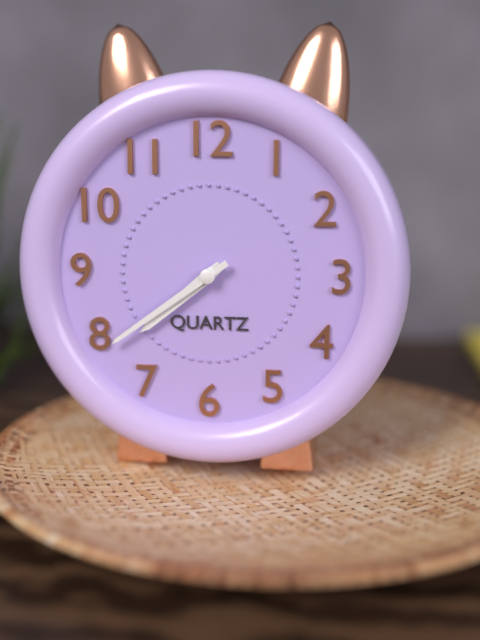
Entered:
7h39
